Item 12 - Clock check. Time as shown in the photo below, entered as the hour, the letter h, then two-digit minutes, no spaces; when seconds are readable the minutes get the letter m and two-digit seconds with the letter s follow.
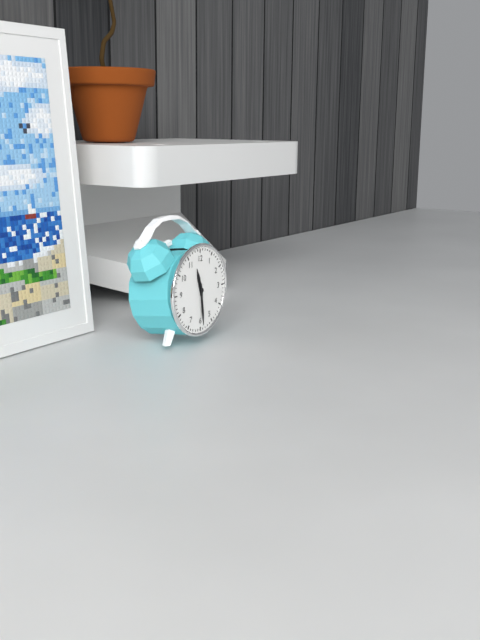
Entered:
11h29
